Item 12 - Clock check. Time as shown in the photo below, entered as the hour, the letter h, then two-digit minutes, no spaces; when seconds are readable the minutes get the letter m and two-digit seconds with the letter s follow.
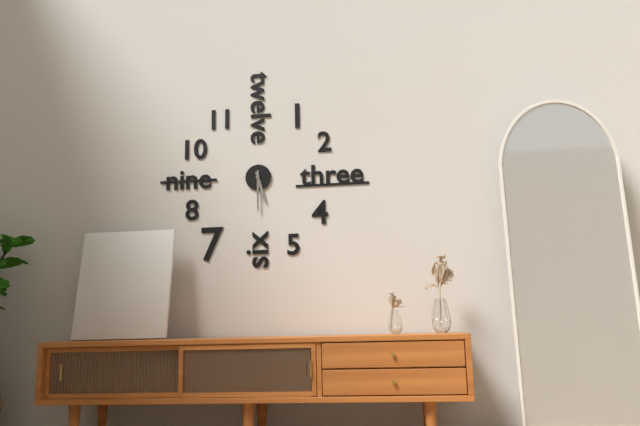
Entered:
5h30
